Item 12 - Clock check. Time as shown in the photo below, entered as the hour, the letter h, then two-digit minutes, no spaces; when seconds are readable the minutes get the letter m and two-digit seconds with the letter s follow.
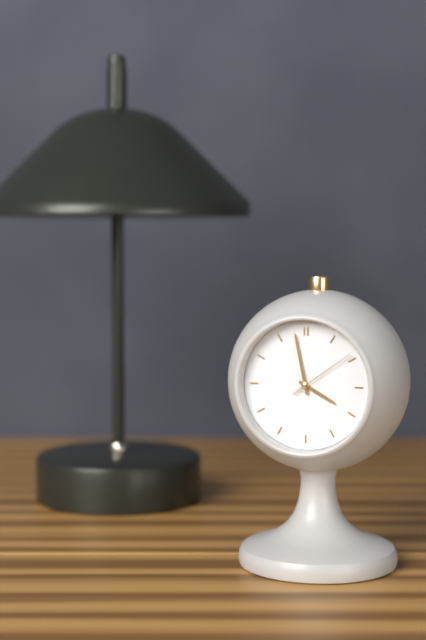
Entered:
3h58m09s
